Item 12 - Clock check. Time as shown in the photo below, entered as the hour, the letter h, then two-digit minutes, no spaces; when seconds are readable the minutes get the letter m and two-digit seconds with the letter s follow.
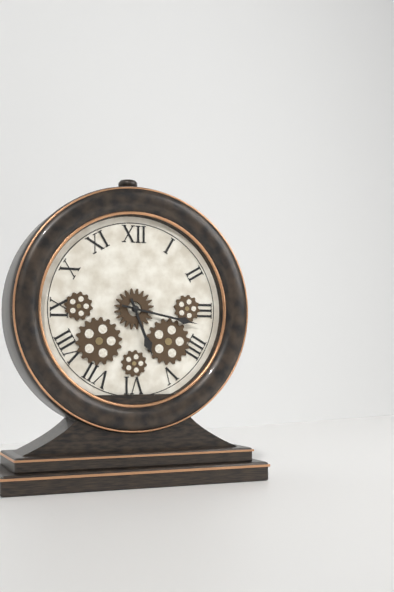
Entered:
5h17
